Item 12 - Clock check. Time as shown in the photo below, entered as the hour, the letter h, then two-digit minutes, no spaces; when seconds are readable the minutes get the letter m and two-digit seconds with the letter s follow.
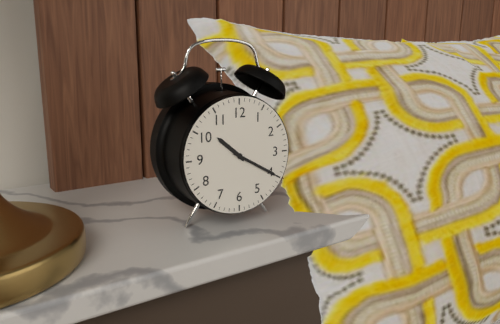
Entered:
10h20
